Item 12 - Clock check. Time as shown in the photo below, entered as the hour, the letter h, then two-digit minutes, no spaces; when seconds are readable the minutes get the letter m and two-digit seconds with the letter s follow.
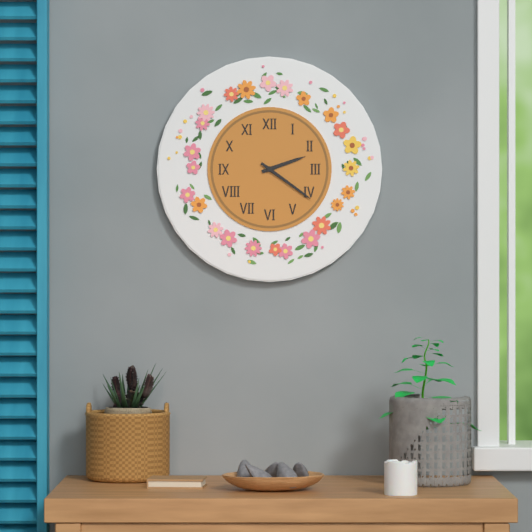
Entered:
2h21
